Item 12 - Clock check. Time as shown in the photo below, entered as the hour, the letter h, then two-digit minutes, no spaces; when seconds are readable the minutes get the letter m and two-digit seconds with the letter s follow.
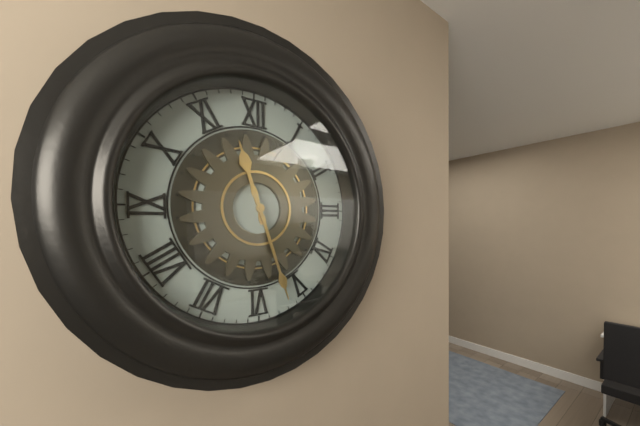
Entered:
11h27
